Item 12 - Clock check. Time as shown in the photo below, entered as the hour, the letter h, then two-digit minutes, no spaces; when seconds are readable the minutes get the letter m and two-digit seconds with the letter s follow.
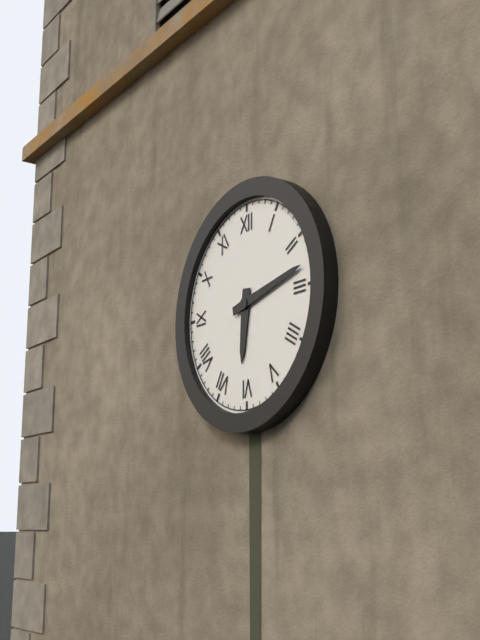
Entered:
6h13
